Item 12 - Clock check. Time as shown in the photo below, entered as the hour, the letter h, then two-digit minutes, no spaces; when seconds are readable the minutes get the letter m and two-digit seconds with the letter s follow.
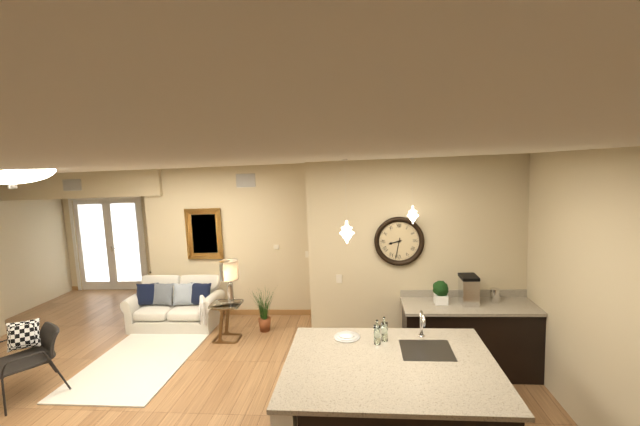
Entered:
8h32
